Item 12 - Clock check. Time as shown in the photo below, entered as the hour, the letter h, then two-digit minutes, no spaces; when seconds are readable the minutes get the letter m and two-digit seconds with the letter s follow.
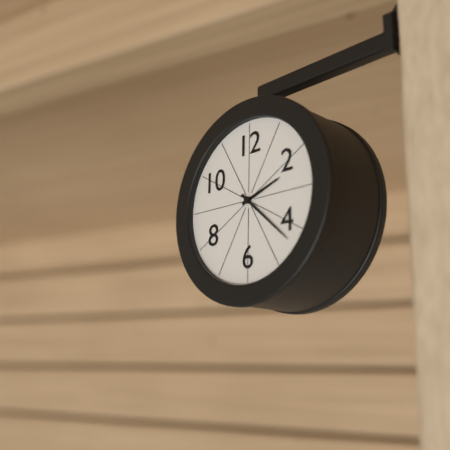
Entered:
2h22
